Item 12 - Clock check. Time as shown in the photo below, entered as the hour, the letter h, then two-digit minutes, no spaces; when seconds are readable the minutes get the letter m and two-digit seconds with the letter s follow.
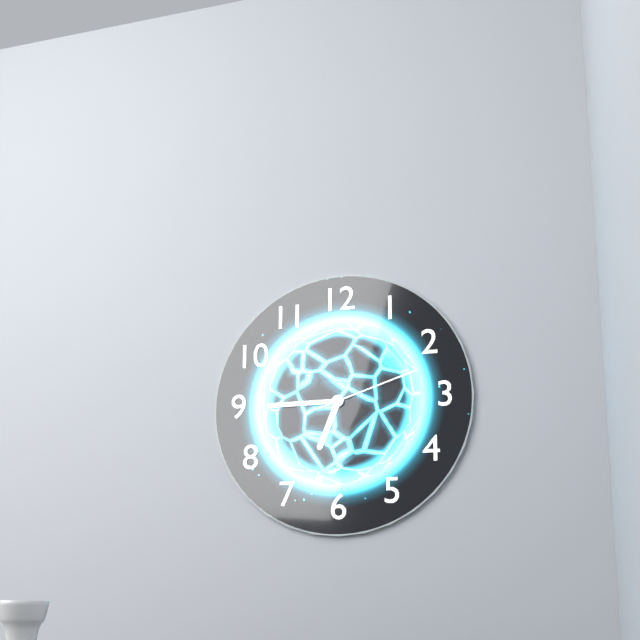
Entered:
6h45m12s
